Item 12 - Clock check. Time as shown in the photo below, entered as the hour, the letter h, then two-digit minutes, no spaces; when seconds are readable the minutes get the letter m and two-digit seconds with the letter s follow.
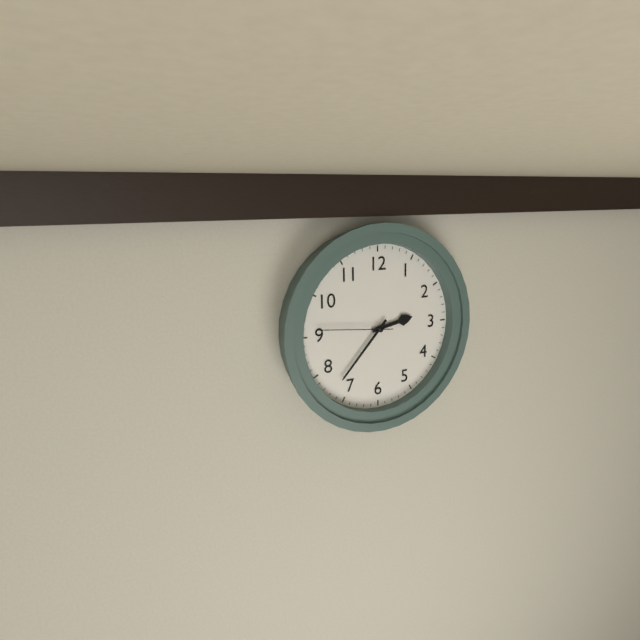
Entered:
2h37m46s
